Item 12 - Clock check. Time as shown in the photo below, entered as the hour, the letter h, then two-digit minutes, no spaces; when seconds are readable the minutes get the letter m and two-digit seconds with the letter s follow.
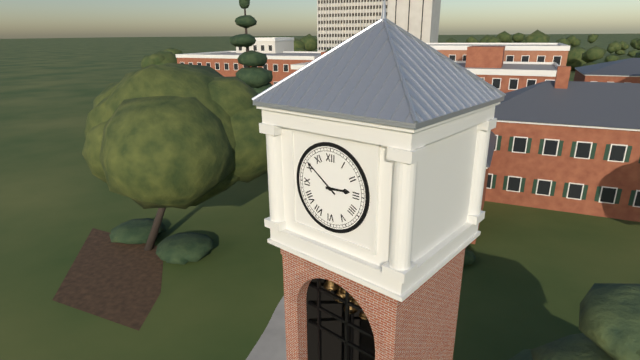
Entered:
2h51
